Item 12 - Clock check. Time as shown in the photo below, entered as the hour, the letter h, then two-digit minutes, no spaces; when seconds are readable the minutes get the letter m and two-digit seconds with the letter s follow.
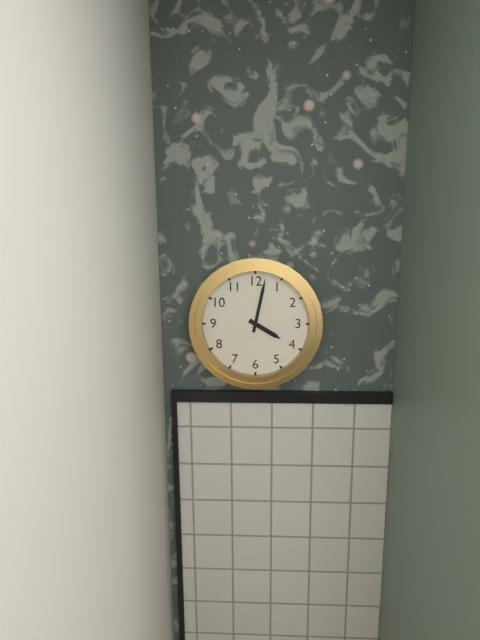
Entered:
4h02
